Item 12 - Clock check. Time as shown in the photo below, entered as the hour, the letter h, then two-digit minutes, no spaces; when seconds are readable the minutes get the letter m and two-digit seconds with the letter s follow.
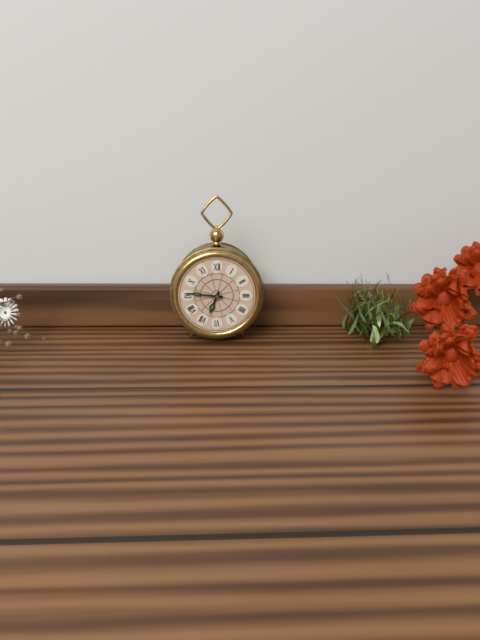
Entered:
6h46
